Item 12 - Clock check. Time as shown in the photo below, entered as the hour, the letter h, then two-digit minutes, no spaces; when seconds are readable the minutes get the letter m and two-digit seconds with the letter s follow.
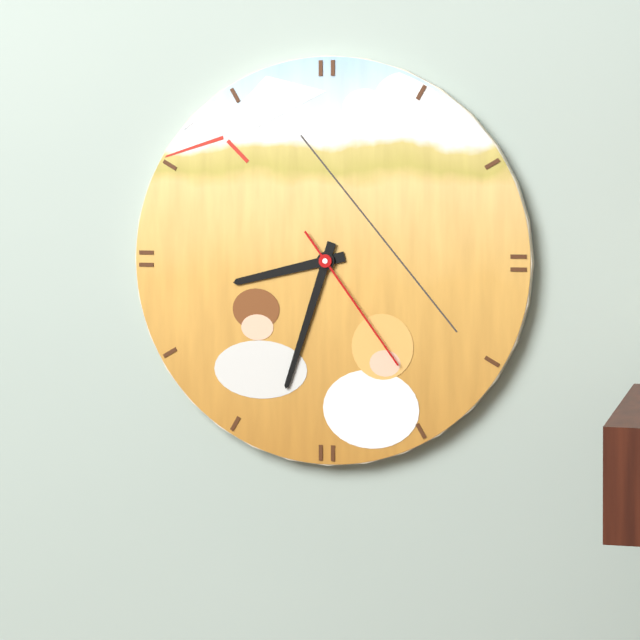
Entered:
8h33m24s
